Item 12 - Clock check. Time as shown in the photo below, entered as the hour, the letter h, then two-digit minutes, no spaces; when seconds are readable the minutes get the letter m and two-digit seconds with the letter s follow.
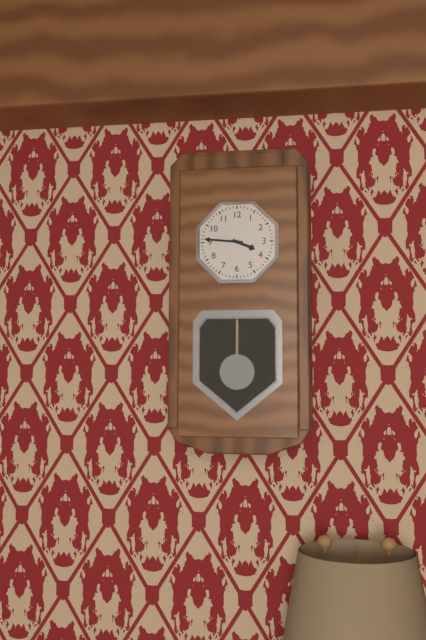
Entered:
3h46
